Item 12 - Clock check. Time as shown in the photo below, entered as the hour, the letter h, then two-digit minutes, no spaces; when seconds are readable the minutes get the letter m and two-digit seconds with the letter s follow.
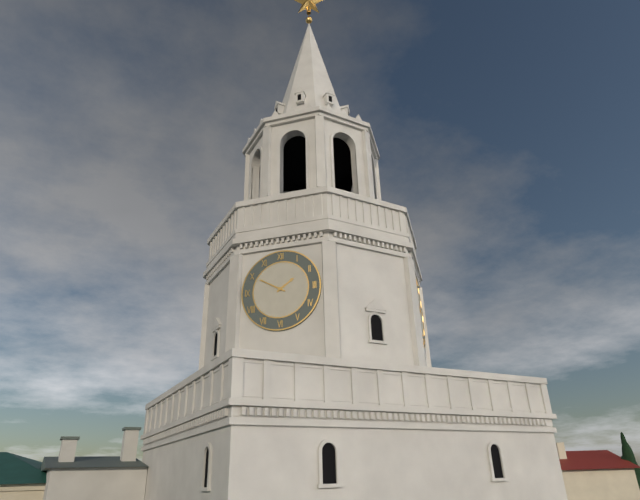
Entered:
1h50
